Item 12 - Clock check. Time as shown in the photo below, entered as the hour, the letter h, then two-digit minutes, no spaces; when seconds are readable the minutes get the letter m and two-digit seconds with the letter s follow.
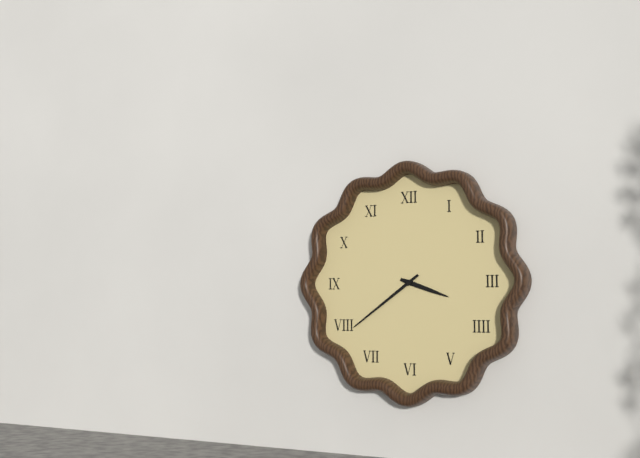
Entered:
3h39
